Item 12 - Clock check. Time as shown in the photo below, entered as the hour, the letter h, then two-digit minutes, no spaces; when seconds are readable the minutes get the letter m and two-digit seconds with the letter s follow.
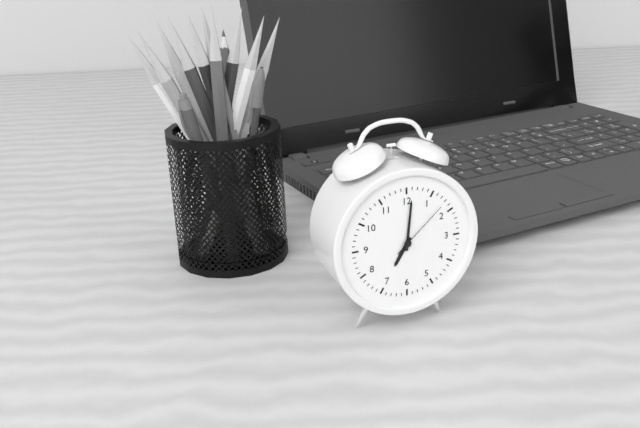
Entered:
7h01m08s
